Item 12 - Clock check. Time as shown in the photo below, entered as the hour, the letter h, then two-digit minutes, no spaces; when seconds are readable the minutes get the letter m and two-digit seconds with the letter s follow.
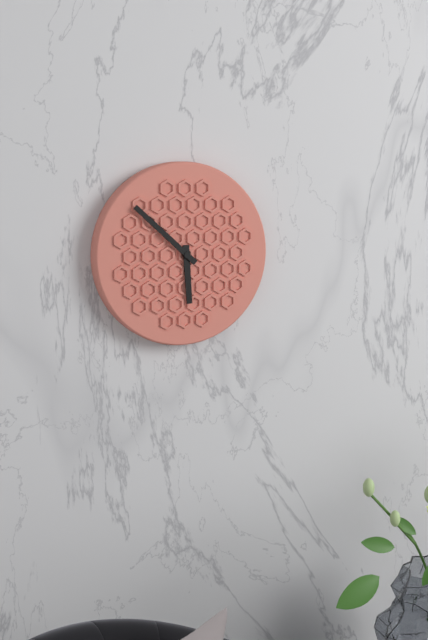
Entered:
5h52
